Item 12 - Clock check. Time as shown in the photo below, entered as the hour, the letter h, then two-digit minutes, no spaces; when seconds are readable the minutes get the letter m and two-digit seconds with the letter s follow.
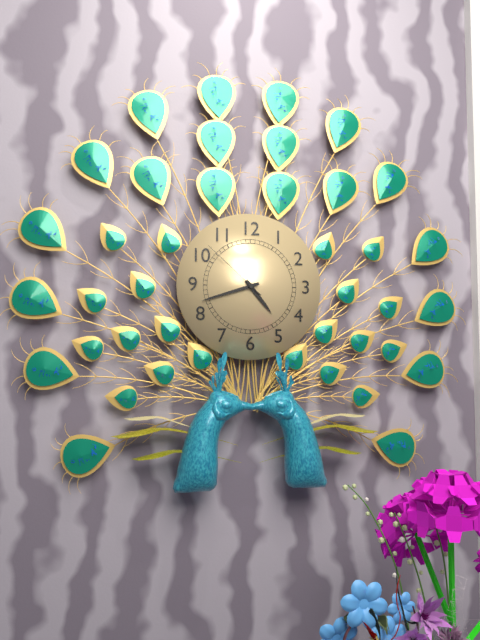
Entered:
4h42m52s
